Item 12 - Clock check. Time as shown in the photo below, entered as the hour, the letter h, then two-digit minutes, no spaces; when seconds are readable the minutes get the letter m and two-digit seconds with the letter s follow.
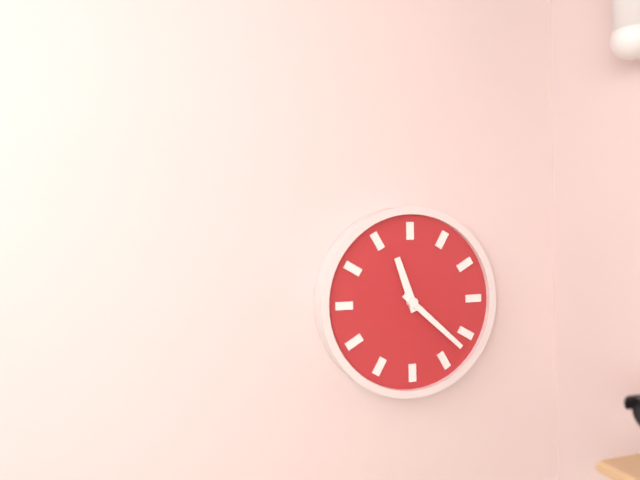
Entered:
11h22
